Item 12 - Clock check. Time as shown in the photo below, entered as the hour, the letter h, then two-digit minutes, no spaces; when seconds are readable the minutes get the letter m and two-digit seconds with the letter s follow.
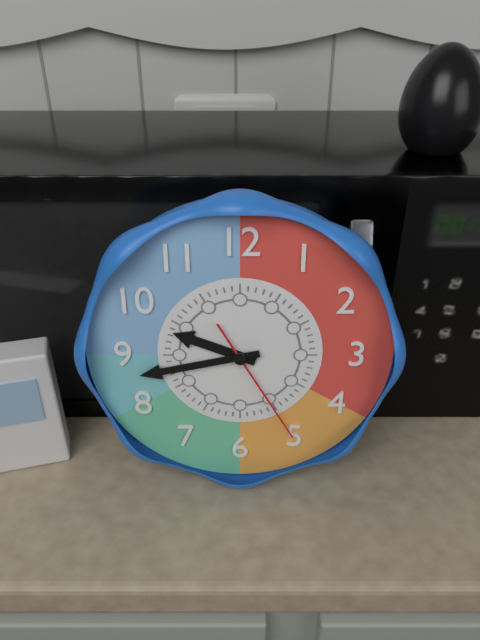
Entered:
9h43m25s
